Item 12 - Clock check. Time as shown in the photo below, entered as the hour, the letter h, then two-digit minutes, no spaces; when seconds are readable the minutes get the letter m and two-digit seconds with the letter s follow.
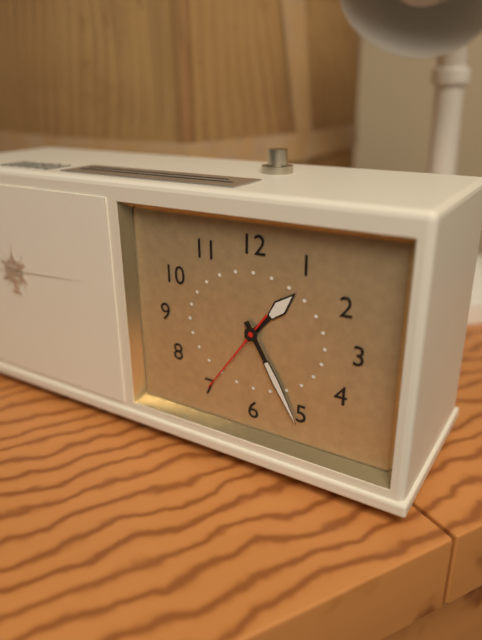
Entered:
1h25m36s
